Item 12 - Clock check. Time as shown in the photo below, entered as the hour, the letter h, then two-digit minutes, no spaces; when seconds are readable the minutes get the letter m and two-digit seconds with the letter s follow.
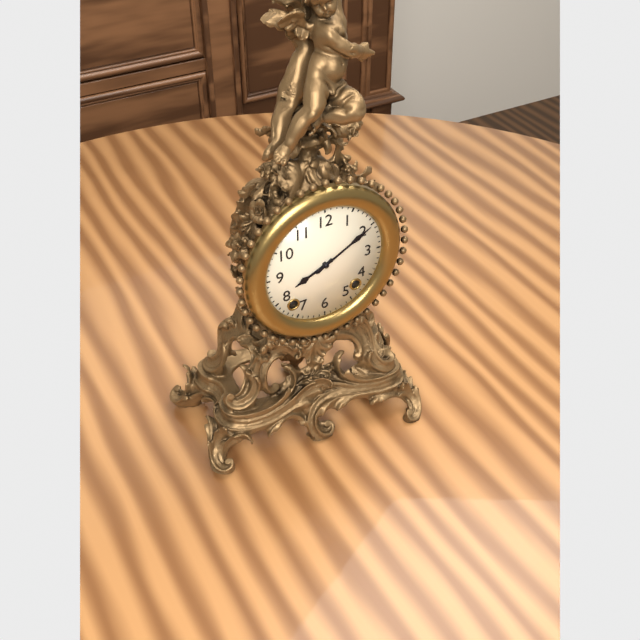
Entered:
8h10
